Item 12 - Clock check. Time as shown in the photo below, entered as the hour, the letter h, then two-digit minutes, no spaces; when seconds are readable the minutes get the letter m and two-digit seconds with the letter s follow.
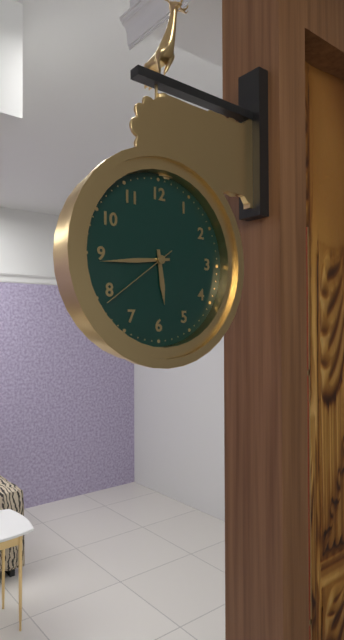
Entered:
5h44m39s
